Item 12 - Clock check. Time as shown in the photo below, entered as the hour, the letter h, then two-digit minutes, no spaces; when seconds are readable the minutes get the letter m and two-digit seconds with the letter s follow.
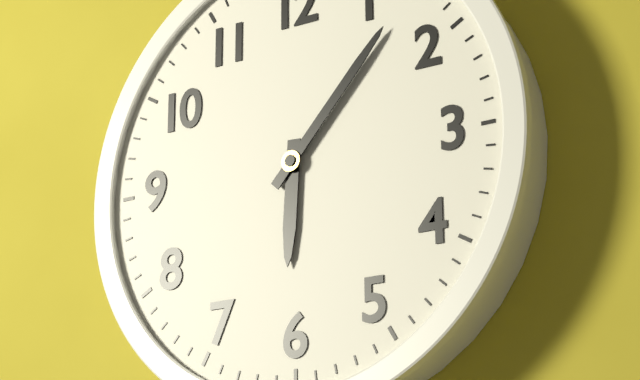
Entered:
6h07
